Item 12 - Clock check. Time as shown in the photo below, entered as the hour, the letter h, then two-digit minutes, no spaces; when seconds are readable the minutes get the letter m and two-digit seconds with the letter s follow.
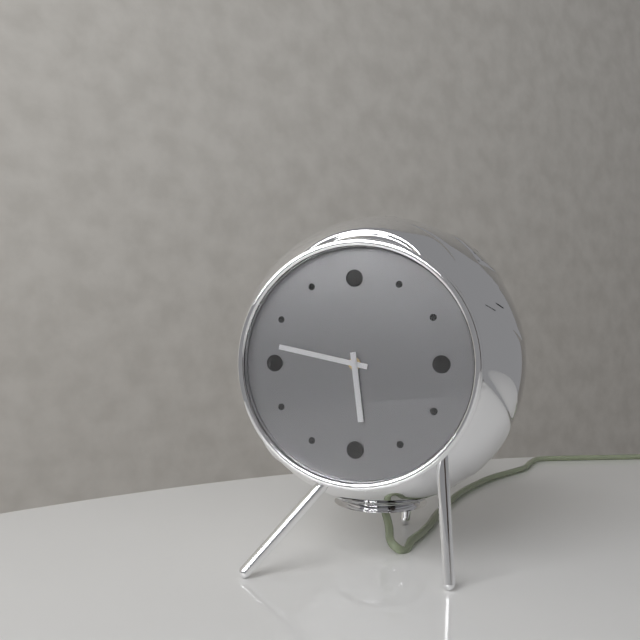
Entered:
5h47
